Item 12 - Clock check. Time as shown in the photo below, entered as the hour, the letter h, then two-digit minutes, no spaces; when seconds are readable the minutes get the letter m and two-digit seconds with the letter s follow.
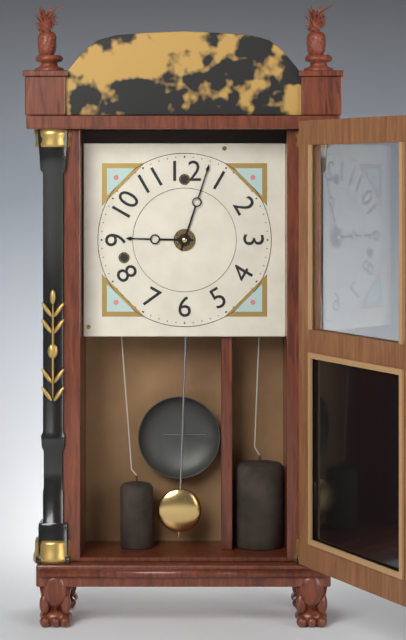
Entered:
9h03
